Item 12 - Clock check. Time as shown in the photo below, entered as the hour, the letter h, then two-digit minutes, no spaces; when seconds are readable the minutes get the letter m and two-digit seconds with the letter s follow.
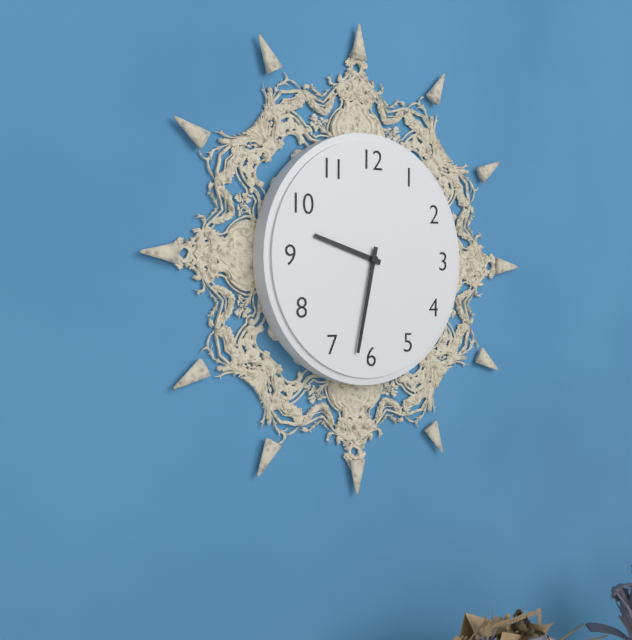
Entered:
9h32
